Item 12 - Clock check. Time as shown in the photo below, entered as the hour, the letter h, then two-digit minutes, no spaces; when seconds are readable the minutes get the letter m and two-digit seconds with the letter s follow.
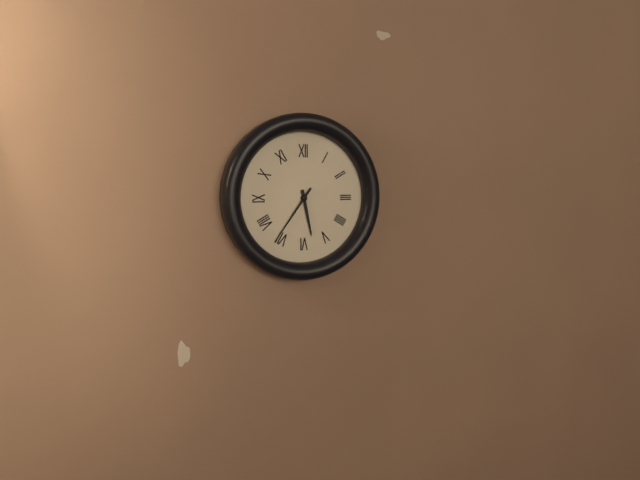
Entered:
5h36
